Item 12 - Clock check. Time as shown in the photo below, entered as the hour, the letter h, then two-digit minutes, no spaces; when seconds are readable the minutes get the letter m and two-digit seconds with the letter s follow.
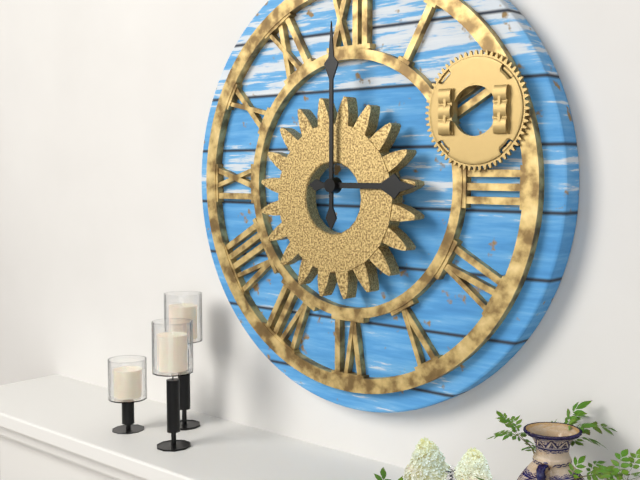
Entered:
3h00
